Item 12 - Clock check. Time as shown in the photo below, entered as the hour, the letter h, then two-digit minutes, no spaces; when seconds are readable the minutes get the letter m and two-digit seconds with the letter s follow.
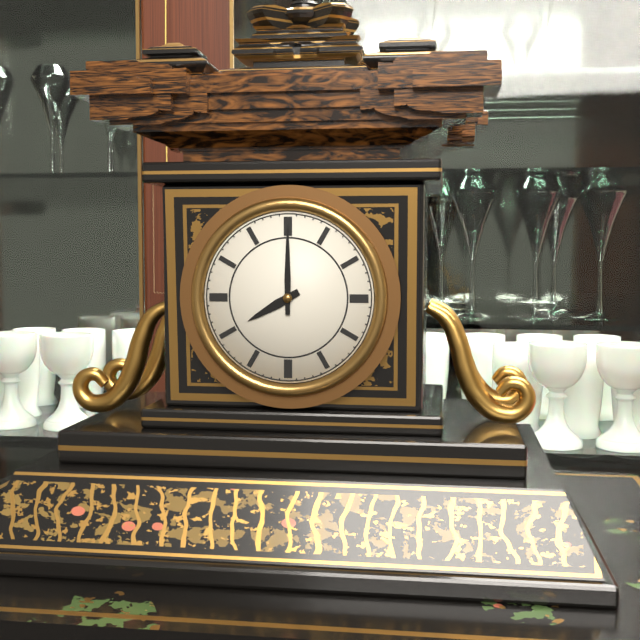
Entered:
8h00
